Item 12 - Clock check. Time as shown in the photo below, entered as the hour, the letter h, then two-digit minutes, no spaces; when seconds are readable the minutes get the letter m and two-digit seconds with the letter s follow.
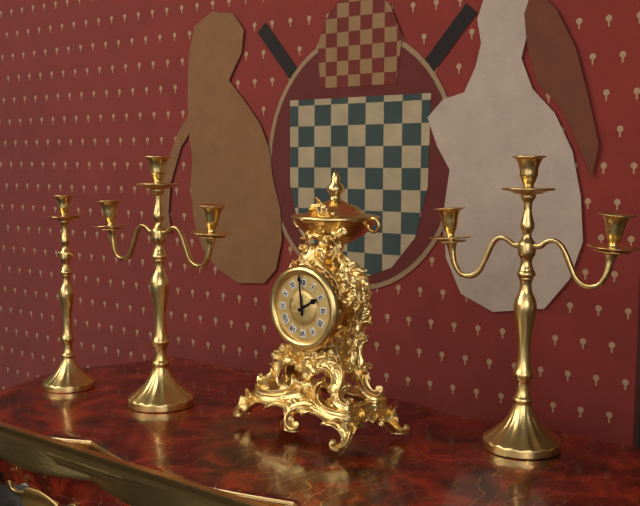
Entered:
1h59
